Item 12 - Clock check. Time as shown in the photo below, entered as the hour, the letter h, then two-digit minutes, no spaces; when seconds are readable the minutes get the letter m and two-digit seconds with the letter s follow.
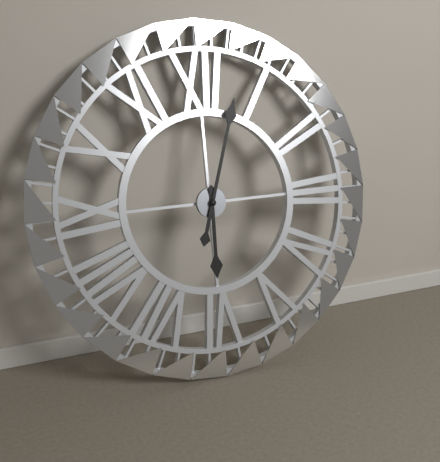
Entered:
6h03
